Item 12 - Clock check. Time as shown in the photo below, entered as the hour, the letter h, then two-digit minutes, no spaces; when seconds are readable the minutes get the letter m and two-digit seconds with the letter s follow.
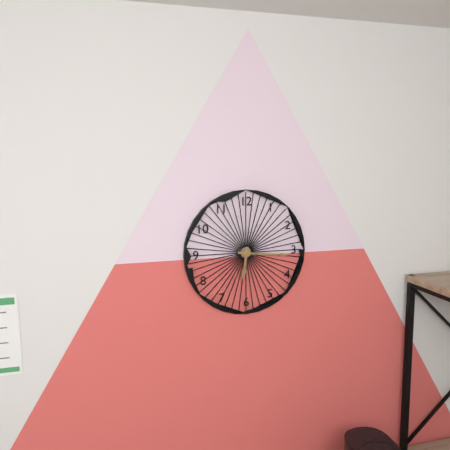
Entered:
6h16
